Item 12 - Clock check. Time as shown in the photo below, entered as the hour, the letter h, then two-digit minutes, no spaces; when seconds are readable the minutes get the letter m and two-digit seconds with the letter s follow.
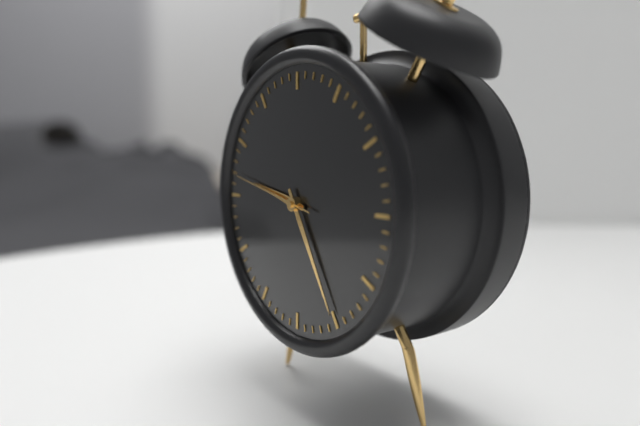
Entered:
9h25m47s
